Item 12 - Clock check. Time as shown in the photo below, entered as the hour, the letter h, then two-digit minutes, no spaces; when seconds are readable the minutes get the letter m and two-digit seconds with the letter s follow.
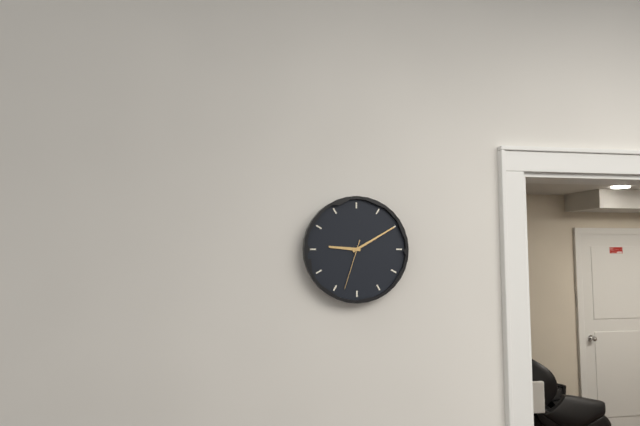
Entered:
9h10m33s
